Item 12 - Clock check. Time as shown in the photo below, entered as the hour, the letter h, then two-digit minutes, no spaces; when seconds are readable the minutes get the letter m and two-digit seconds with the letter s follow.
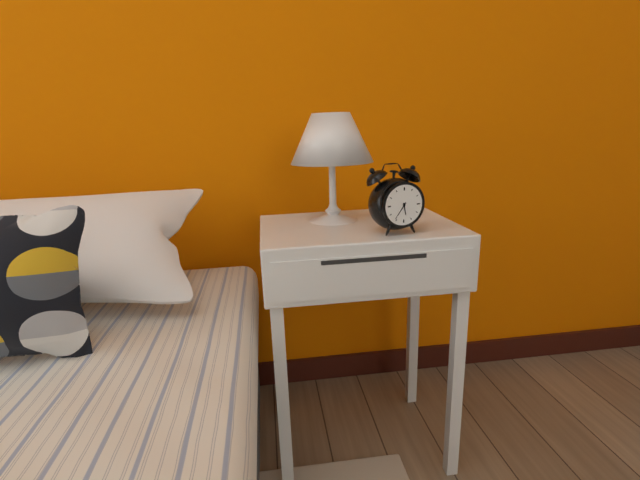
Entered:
5h36
